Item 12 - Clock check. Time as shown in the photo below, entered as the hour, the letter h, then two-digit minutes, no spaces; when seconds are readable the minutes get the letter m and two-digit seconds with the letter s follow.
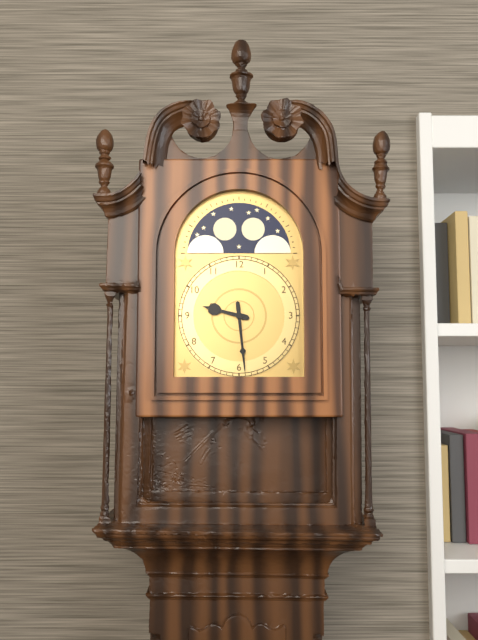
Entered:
9h29
